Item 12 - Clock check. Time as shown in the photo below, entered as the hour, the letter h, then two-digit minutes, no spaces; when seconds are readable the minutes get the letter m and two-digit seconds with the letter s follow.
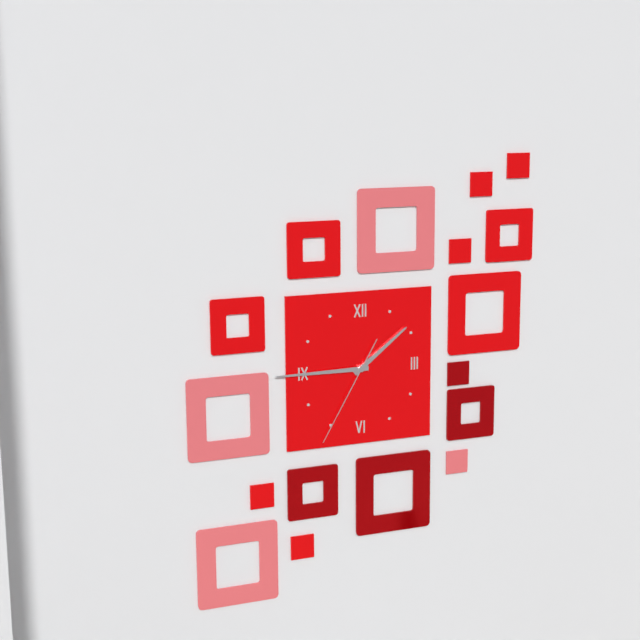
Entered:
1h45m35s
